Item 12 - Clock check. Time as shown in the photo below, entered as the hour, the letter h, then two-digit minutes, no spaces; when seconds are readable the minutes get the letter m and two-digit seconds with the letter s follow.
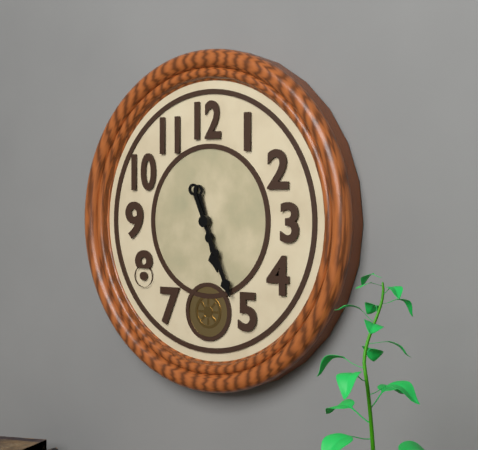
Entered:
5h26
